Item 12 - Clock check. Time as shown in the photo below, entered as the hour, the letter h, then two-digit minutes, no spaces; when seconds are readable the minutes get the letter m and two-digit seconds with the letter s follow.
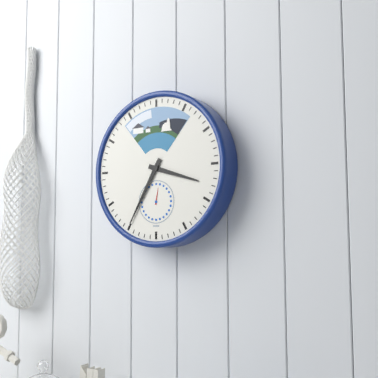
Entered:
3h35
